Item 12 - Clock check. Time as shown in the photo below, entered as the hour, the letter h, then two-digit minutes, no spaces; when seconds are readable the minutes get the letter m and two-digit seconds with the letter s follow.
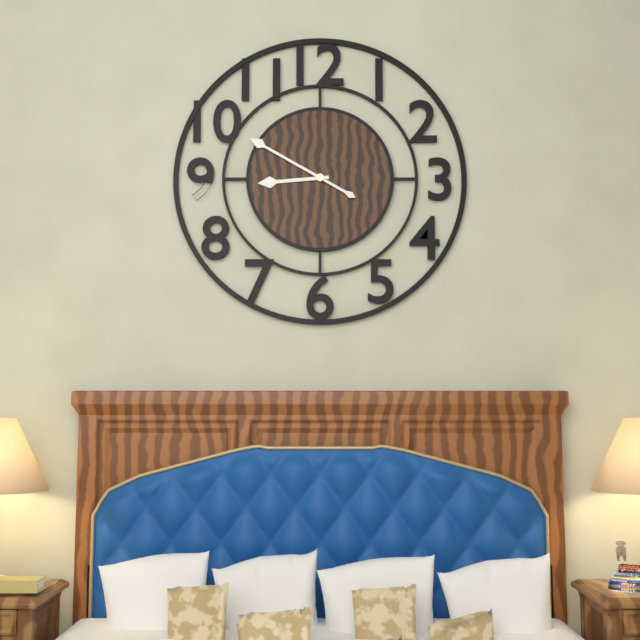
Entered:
8h50
